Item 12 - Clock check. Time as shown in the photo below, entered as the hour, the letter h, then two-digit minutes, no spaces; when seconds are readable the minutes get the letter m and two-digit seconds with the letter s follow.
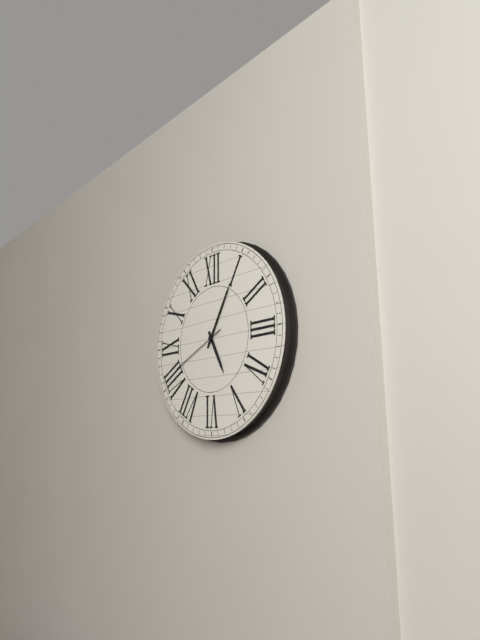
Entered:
5h05m41s
